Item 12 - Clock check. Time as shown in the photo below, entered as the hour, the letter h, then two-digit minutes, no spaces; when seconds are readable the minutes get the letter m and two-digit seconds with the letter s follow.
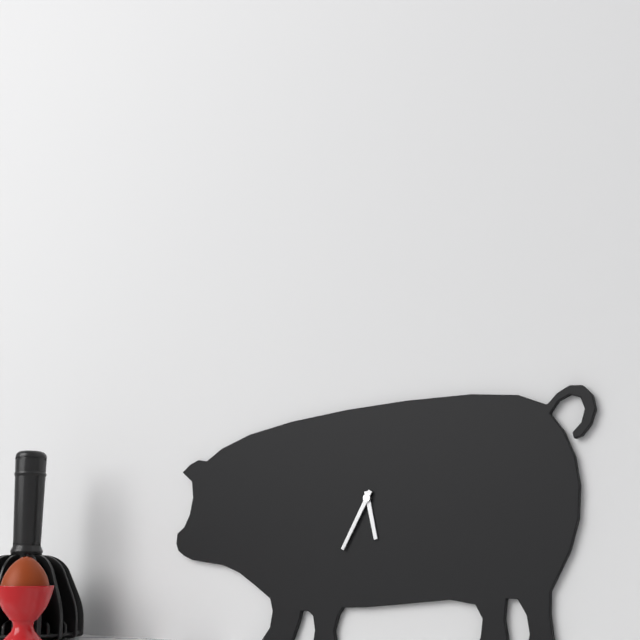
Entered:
5h35
